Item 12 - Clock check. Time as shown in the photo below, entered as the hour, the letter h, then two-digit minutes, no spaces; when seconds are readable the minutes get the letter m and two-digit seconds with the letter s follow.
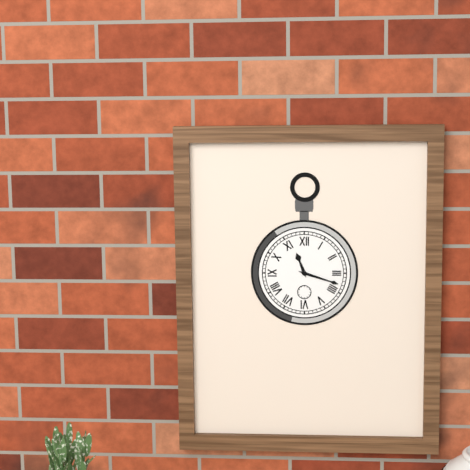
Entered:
11h18
